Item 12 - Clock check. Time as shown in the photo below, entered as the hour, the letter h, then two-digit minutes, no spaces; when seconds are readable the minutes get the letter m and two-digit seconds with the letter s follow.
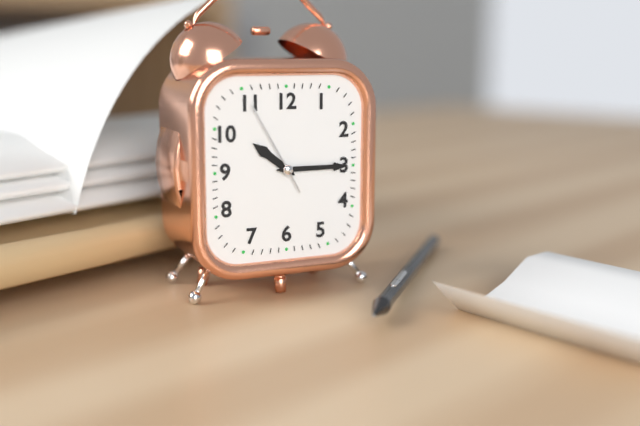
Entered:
10h15m55s
